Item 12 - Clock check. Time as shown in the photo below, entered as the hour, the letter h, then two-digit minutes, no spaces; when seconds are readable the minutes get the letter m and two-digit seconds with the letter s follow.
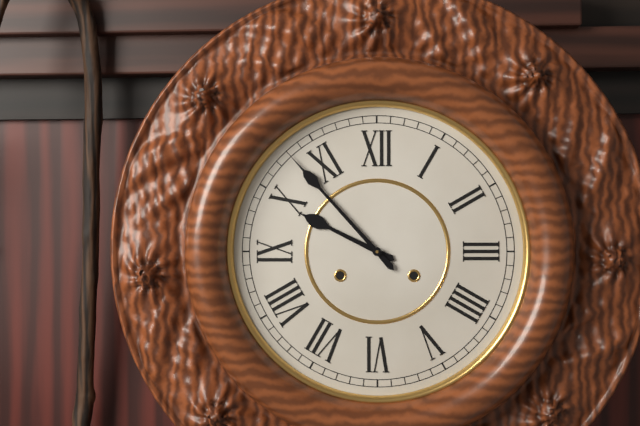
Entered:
9h53
